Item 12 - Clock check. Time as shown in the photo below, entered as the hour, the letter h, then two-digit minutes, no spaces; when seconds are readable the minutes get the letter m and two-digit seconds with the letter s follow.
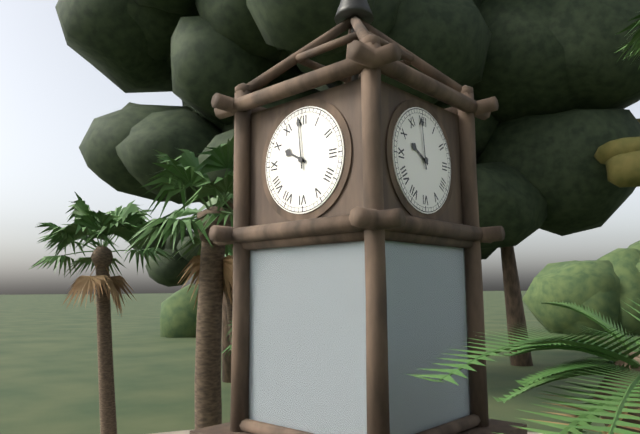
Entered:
9h59
